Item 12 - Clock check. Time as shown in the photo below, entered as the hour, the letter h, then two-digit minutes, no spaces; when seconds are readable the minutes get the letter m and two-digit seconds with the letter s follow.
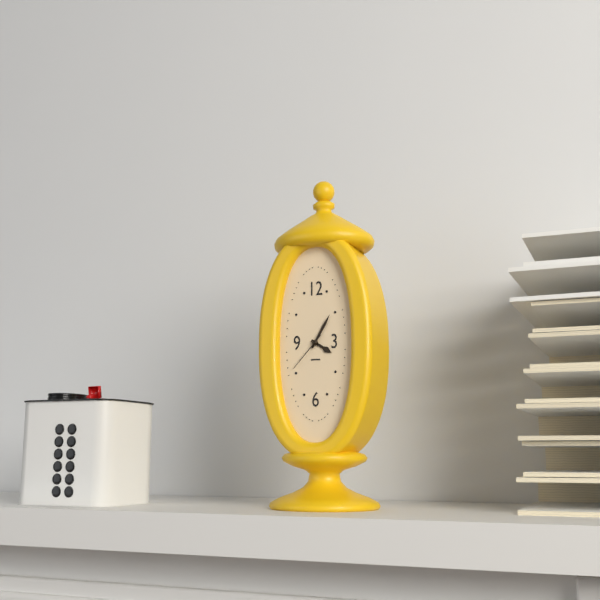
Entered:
4h05
